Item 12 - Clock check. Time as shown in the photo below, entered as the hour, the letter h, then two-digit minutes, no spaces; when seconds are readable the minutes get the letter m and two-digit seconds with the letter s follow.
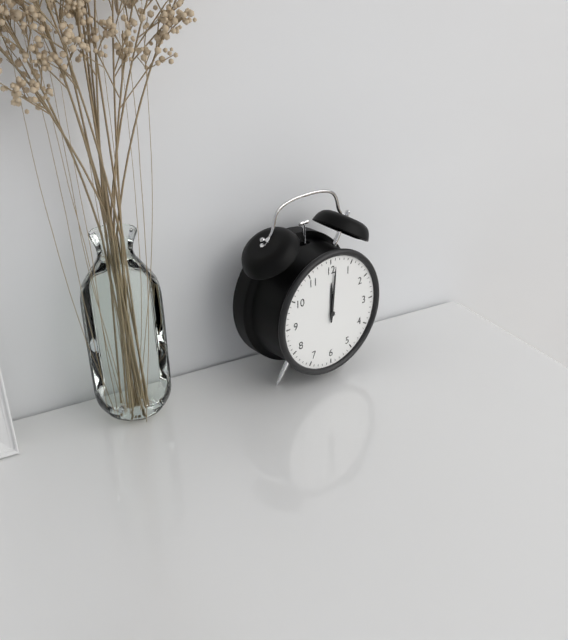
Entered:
12h01
